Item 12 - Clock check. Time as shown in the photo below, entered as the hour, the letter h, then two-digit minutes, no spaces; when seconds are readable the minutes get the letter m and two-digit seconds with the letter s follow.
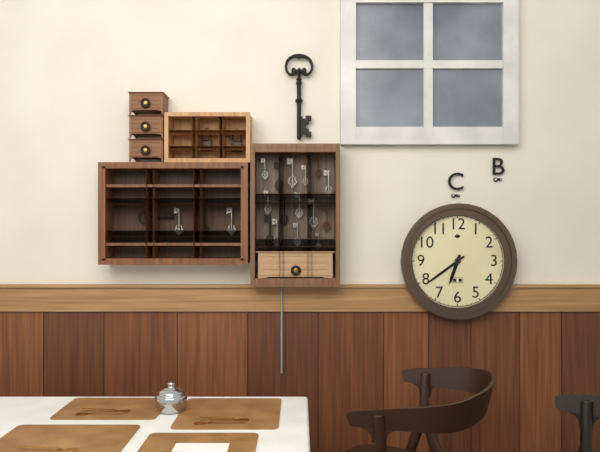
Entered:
6h39
